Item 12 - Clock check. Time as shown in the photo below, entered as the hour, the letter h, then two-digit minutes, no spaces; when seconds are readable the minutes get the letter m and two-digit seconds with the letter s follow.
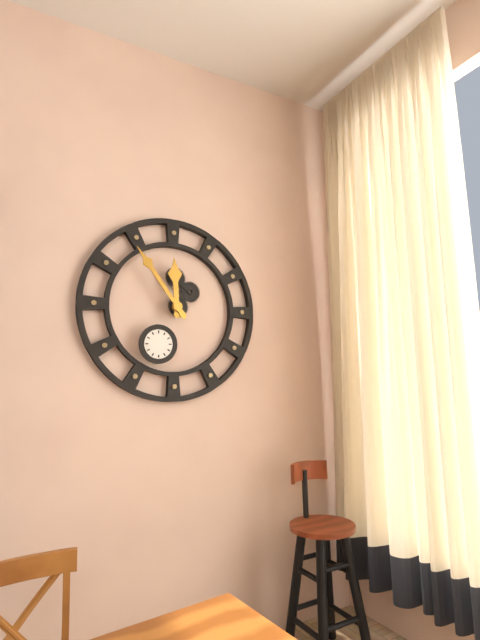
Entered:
11h54
